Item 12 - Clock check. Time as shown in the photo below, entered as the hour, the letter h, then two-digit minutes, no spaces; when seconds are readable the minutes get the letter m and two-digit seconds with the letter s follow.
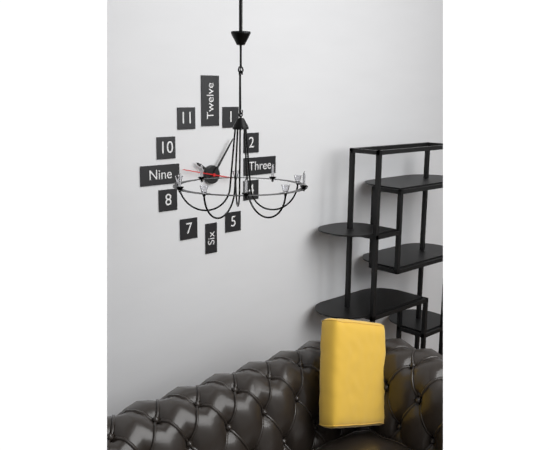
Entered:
10h06
